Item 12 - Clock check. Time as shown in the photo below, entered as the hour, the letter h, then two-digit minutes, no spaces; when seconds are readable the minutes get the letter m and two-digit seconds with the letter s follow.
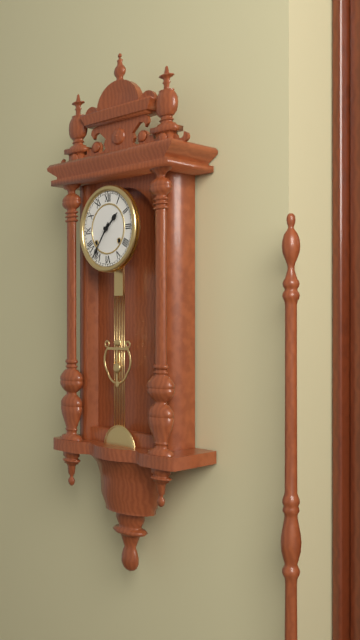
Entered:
1h36
